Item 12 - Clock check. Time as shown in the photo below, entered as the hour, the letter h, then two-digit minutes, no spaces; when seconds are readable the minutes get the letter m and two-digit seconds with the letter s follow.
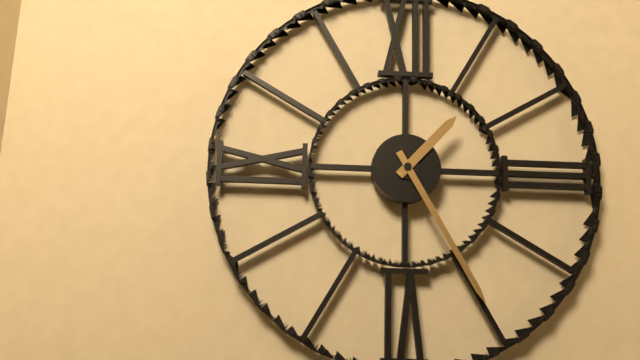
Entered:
1h25
